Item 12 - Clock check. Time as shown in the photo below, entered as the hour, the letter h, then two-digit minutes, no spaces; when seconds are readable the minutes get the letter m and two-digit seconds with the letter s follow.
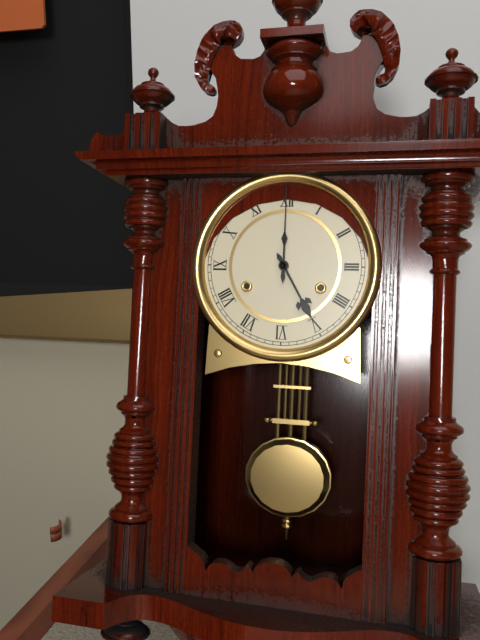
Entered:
5h00
